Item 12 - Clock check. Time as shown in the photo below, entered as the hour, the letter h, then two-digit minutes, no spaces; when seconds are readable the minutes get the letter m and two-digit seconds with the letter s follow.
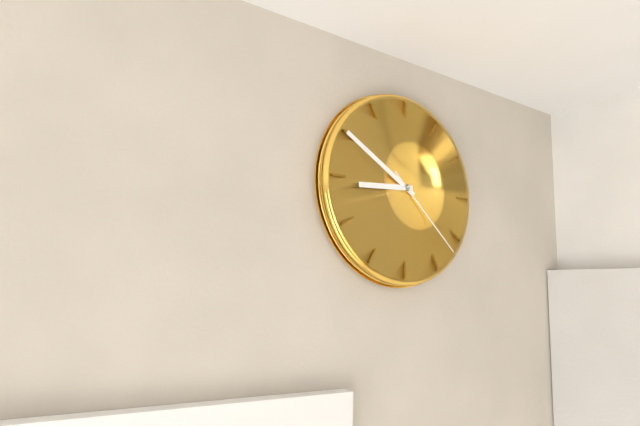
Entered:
8h50m22s
